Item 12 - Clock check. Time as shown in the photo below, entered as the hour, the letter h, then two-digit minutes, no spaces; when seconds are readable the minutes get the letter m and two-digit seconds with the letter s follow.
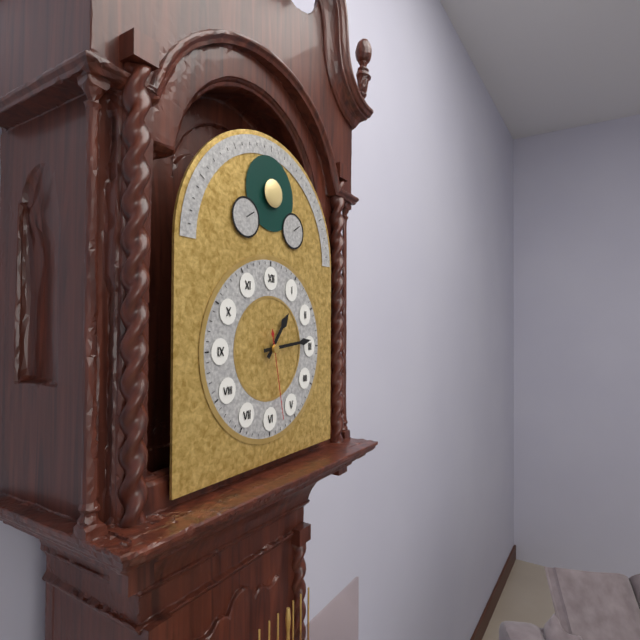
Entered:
1h14m28s
